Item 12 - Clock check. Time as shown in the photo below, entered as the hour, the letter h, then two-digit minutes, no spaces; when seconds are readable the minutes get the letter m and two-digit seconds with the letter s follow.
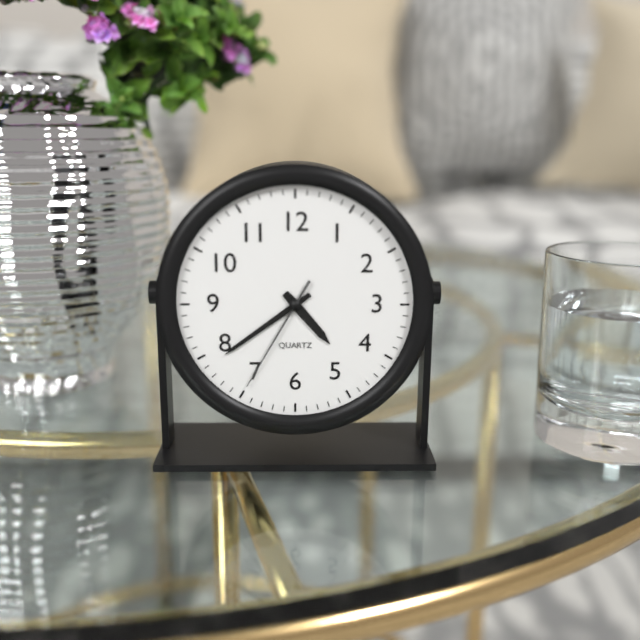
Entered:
4h39m35s
